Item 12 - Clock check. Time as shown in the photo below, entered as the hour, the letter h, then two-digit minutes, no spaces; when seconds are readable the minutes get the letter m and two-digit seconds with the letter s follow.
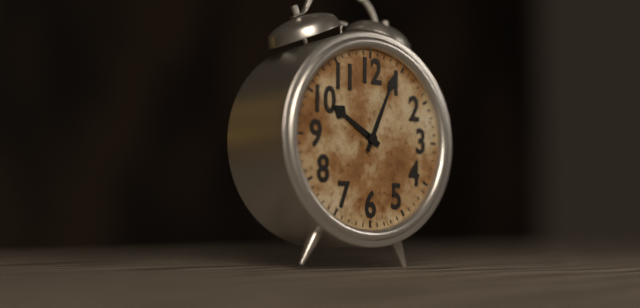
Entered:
10h04
